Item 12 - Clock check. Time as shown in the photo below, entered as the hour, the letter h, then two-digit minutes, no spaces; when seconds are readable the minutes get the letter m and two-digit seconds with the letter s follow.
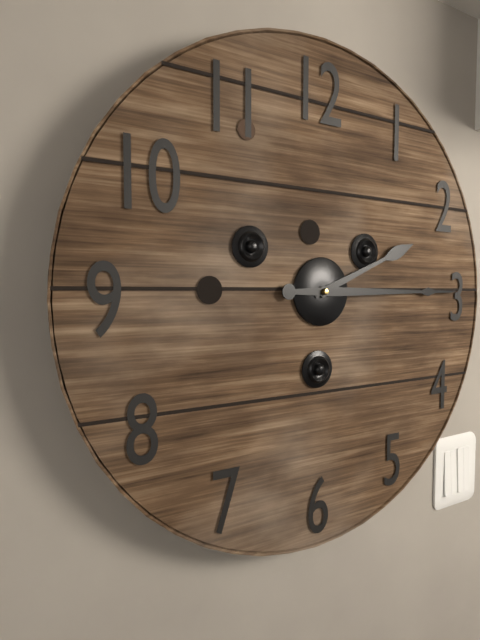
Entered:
2h15
